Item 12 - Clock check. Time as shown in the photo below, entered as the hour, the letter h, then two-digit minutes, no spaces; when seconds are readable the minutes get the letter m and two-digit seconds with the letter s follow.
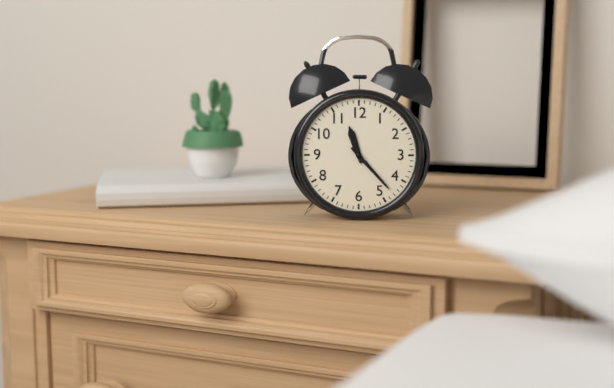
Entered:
11h23
